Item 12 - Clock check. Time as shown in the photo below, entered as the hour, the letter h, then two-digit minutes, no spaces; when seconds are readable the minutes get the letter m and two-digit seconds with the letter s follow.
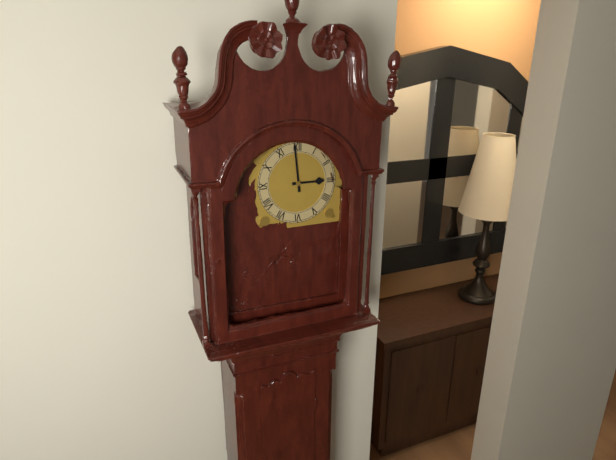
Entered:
2h59
